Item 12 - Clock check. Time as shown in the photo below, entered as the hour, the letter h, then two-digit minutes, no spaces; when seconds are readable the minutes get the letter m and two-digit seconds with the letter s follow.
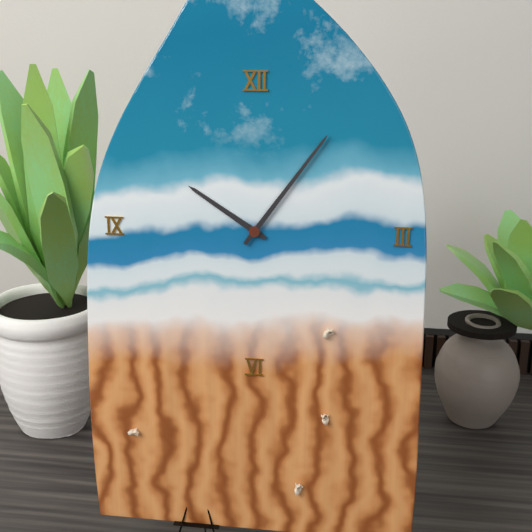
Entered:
10h06
